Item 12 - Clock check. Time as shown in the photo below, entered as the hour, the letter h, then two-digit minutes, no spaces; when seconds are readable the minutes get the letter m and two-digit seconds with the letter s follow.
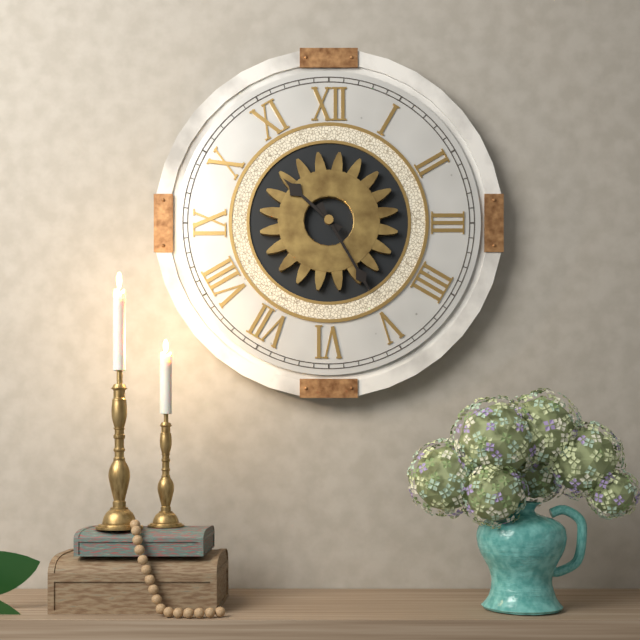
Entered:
10h25
